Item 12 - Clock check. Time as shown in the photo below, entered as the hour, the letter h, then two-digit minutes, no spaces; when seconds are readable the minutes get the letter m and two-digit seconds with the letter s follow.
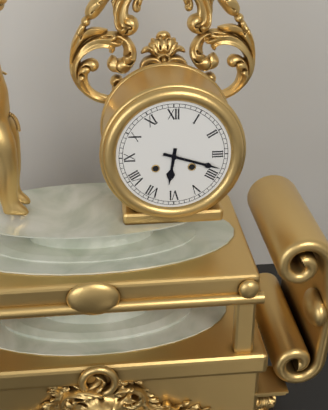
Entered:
6h18
